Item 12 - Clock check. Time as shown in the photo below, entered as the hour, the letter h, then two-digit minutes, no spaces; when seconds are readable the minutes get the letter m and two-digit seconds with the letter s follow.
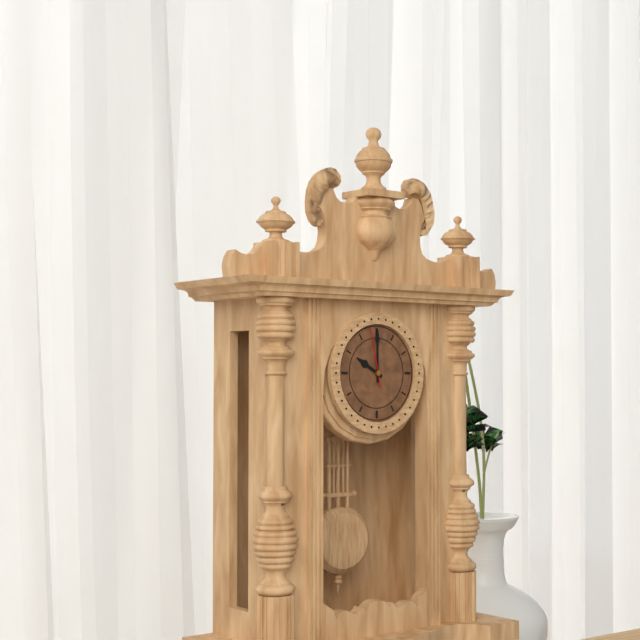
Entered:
10h00m58s
